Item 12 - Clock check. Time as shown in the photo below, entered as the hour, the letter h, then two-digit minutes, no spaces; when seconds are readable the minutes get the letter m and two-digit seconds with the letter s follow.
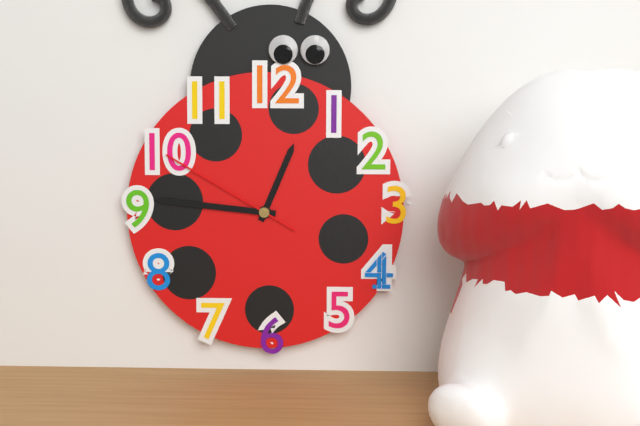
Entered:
12h46m50s
